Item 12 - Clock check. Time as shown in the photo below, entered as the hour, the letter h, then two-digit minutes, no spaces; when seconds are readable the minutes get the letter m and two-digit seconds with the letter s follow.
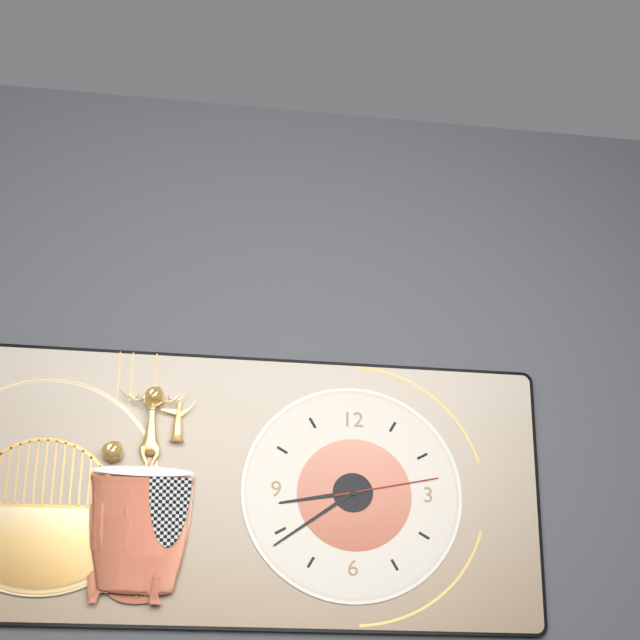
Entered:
8h39m13s
